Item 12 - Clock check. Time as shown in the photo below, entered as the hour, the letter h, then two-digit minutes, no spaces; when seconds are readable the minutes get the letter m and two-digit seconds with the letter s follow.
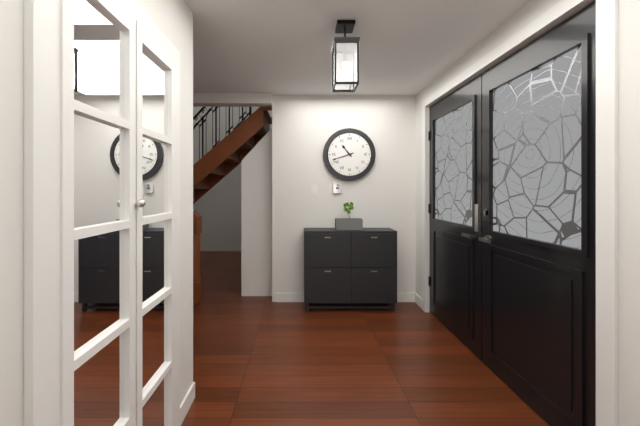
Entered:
10h42
